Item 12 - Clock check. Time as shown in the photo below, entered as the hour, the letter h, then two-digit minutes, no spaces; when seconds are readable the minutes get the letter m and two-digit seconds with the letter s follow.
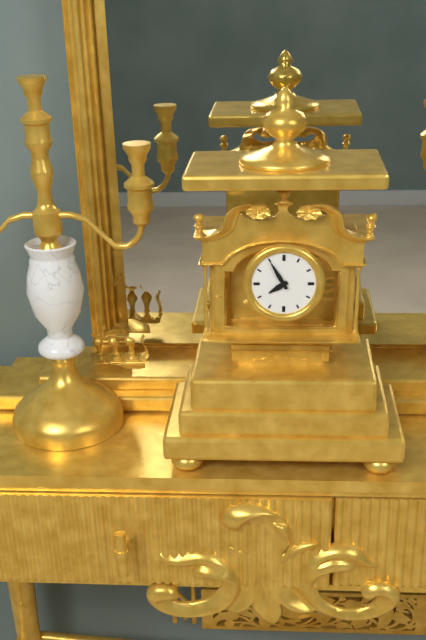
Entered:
7h55
